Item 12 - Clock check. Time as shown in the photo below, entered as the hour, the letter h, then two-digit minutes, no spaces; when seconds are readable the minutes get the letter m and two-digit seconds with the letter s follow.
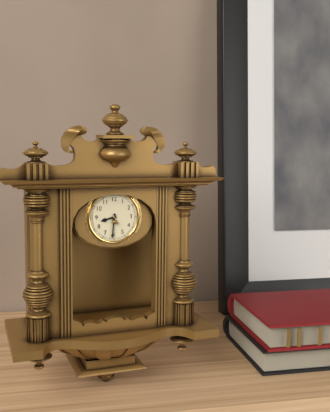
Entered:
8h31
